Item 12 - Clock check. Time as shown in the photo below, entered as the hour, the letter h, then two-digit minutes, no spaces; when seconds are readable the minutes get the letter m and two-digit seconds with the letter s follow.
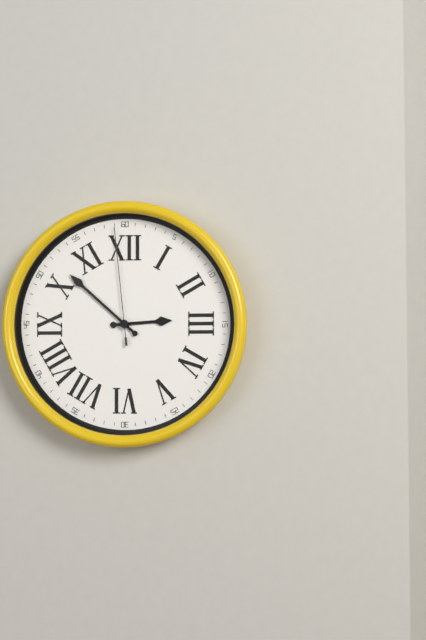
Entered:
2h52m59s
